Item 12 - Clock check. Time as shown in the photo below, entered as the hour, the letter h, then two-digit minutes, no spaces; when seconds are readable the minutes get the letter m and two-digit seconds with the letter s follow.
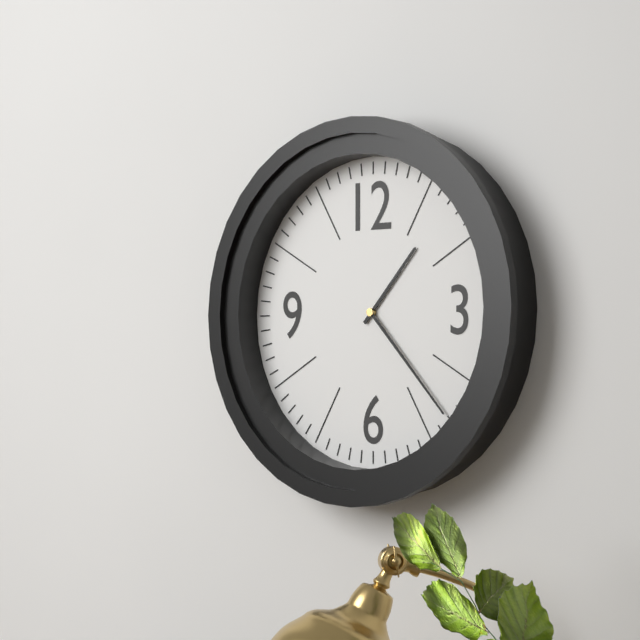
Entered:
1h23
